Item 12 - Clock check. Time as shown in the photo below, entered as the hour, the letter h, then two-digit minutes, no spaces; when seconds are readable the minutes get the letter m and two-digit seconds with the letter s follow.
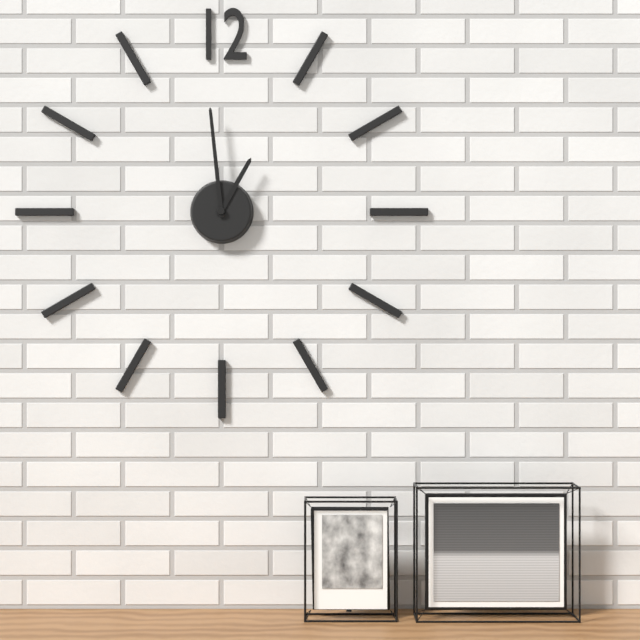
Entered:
12h59
